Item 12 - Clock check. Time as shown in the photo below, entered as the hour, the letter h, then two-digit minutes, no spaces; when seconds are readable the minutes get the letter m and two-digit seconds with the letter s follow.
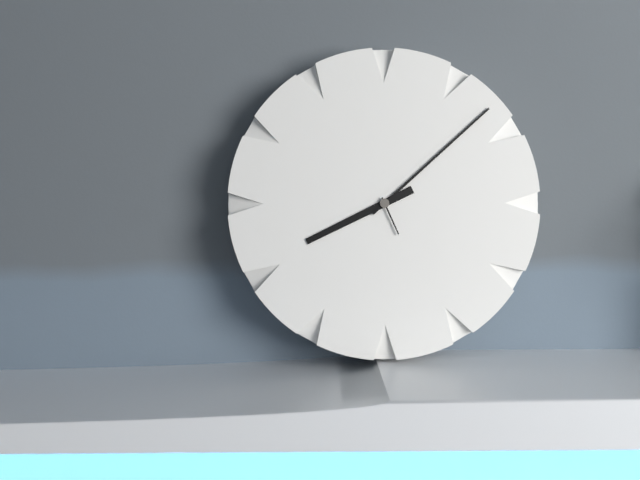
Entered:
8h08
